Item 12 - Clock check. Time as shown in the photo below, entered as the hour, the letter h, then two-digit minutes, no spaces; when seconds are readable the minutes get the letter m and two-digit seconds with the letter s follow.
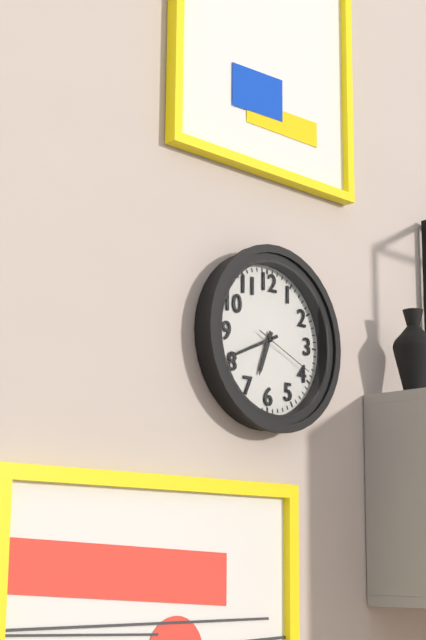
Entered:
6h41m19s
